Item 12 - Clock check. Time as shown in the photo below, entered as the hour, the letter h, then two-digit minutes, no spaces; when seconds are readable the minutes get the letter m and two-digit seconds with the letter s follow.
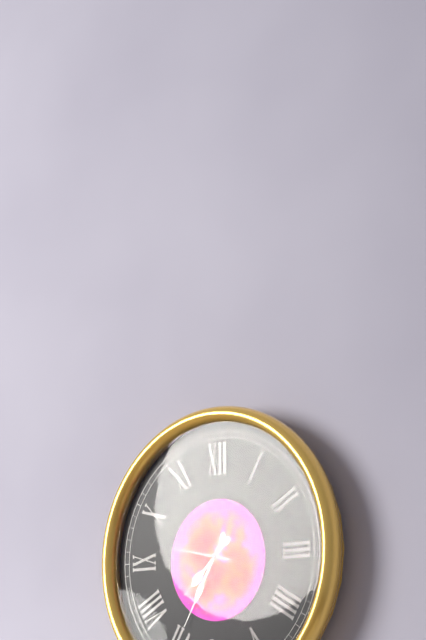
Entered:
7h35m47s
